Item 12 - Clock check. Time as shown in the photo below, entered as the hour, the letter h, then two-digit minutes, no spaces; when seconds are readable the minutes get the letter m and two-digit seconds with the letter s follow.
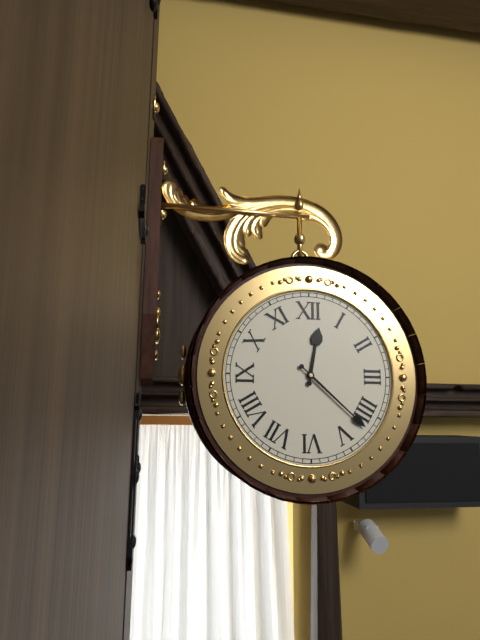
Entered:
12h22
